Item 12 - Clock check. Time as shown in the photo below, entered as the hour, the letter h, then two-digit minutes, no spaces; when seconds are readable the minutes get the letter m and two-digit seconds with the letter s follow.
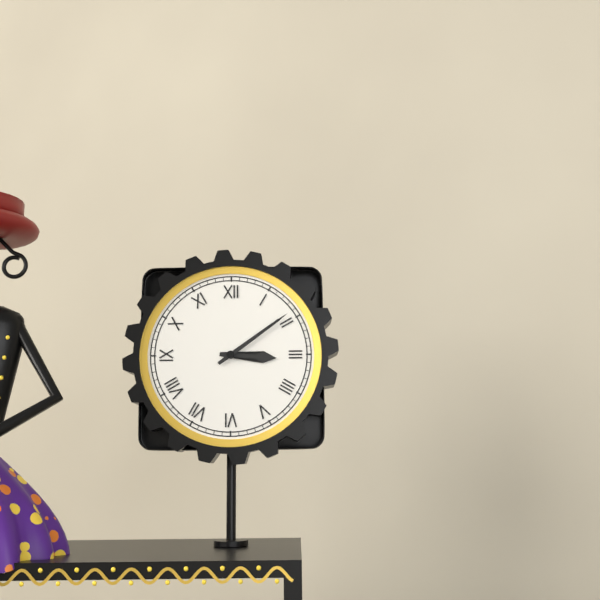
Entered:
3h09
